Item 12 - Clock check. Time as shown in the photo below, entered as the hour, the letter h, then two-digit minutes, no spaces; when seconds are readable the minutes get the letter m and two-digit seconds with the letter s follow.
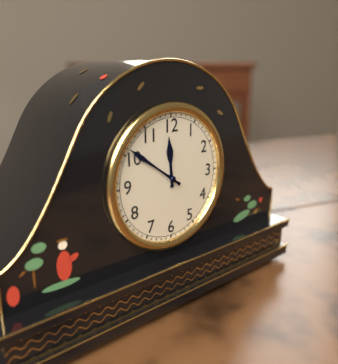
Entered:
11h51
